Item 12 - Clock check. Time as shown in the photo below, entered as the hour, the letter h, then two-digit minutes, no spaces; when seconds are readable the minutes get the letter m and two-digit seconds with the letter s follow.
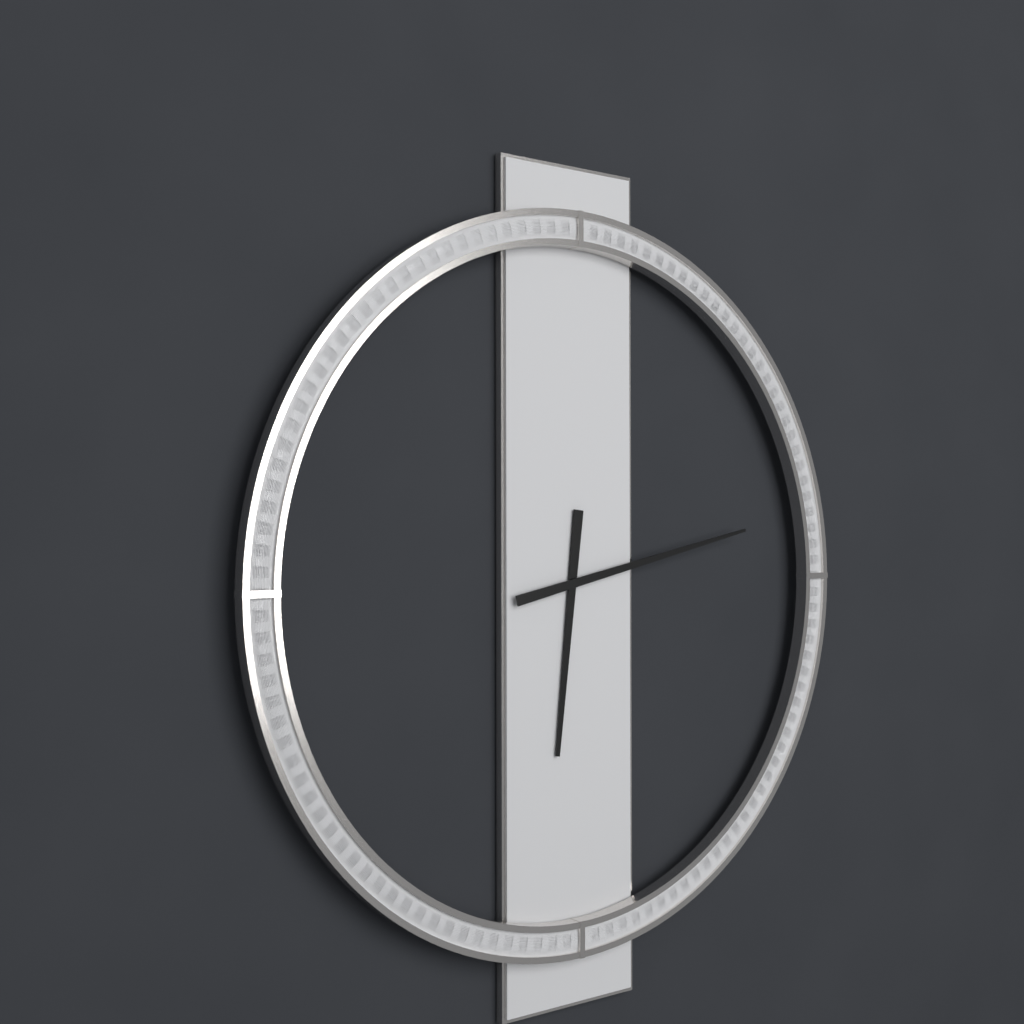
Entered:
6h13
